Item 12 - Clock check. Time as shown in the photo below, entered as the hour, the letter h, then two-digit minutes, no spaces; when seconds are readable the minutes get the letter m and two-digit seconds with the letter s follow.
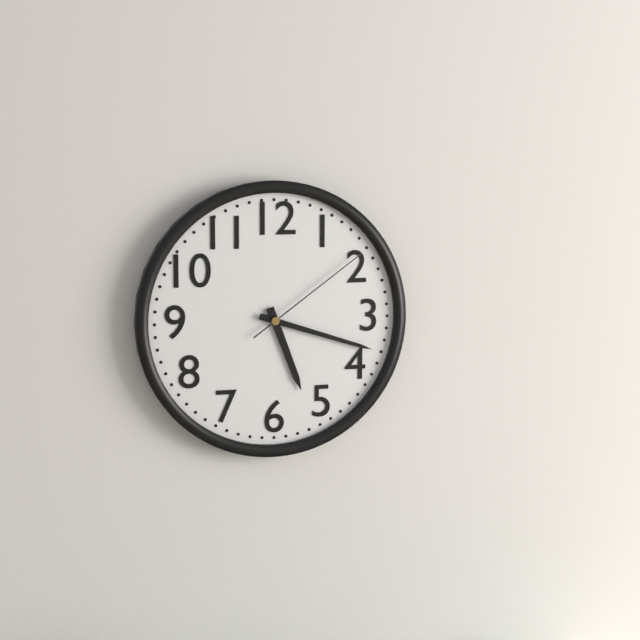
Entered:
5h18m09s
